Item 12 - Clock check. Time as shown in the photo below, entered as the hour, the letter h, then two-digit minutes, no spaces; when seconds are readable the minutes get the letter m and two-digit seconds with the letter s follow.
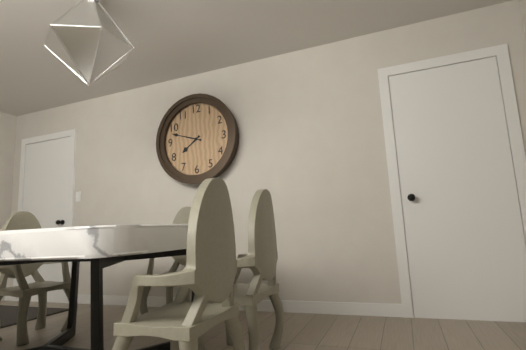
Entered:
7h48
